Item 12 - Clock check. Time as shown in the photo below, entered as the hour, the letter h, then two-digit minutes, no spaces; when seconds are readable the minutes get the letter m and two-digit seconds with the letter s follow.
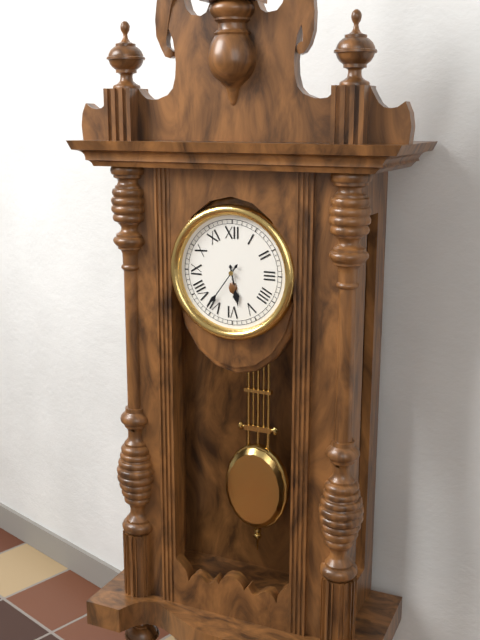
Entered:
5h36
